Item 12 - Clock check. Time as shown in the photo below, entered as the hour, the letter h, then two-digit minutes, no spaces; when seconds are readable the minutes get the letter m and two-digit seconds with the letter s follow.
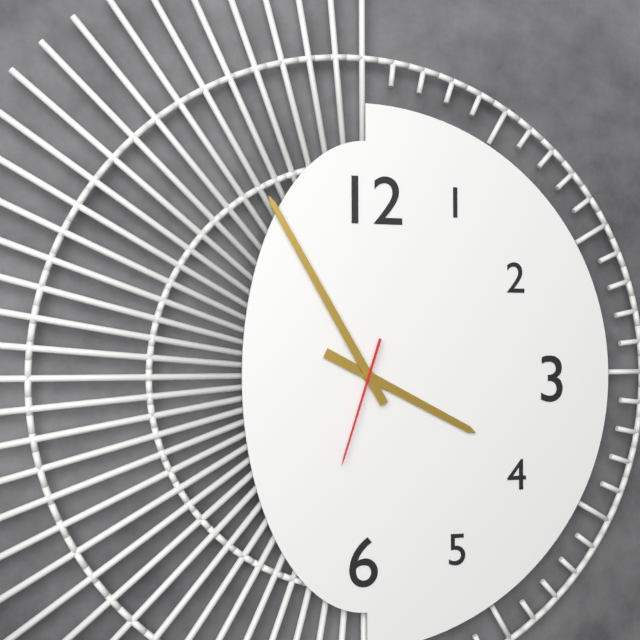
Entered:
3h55m33s
